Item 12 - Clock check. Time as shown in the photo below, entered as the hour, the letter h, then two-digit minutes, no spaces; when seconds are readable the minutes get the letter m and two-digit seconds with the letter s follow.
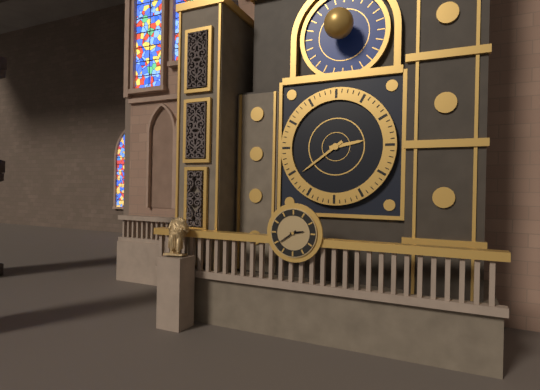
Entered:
2h39
